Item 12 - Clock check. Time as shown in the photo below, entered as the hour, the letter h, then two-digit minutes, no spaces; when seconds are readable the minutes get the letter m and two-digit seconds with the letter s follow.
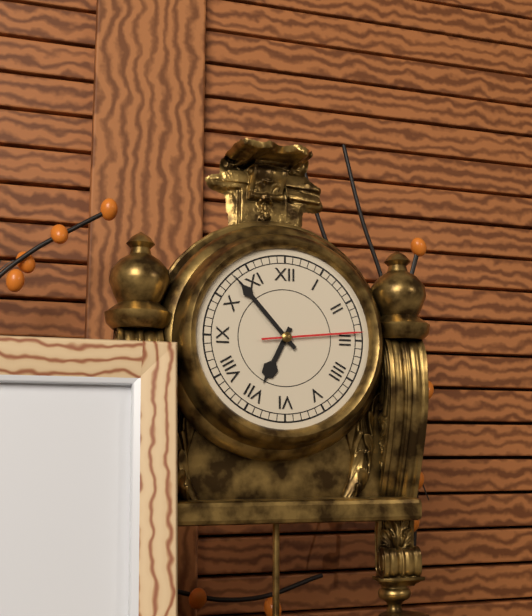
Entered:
6h53m14s
